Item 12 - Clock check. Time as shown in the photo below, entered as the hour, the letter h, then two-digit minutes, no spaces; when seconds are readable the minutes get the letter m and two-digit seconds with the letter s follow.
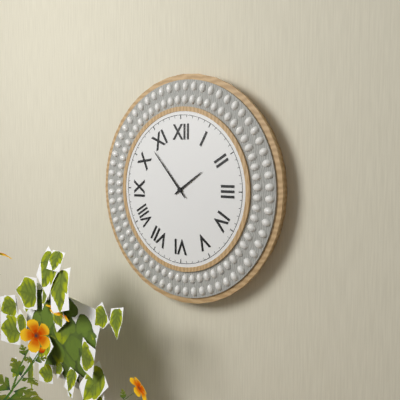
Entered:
1h53
